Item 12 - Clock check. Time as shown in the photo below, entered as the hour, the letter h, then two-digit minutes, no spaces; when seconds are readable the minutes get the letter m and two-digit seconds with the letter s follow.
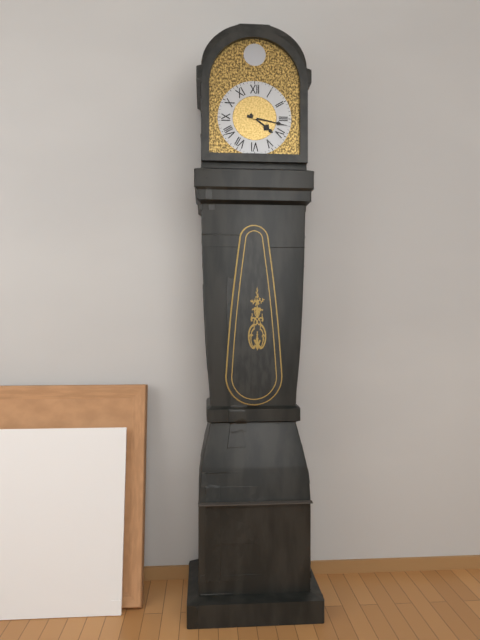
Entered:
4h17
